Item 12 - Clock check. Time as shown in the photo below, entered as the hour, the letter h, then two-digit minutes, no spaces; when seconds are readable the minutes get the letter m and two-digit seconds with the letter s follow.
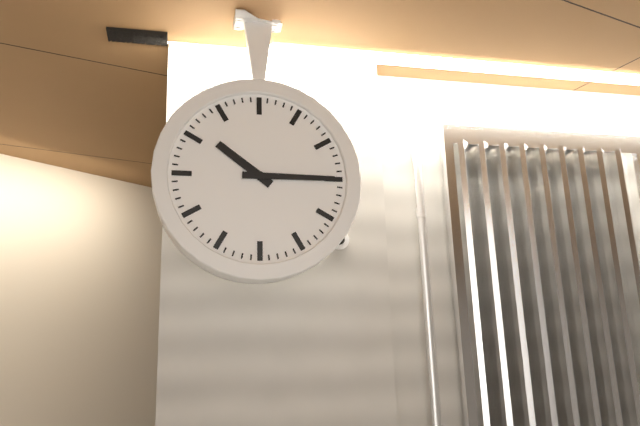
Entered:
10h15
